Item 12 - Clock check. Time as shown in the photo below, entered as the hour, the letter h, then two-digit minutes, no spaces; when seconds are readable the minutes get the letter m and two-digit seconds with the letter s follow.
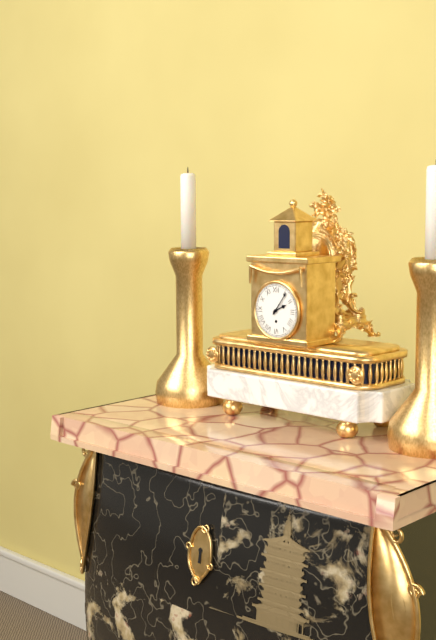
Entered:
2h06
